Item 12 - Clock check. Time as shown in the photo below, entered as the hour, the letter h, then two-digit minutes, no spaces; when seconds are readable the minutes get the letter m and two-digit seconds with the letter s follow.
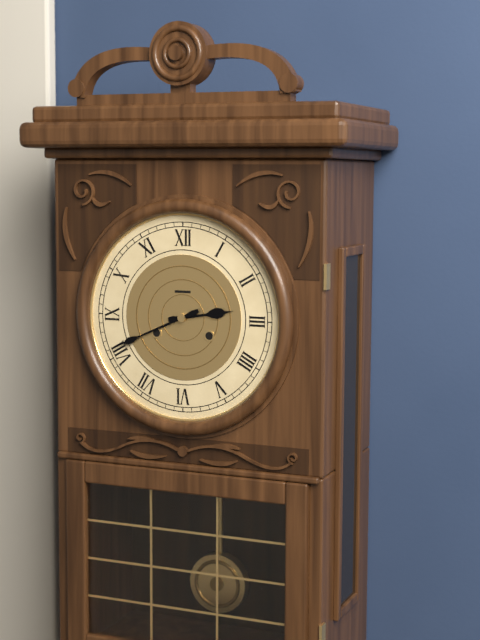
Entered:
2h41
